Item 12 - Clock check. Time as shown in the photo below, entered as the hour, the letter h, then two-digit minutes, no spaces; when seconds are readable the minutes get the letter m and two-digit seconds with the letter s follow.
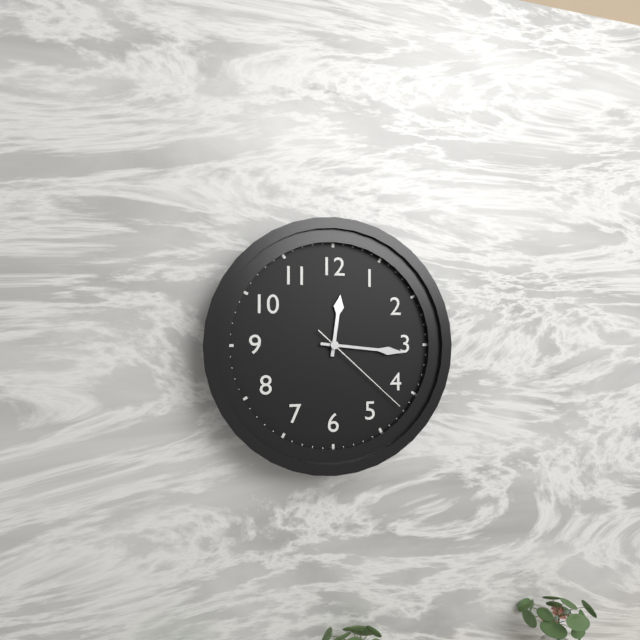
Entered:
12h16m22s
